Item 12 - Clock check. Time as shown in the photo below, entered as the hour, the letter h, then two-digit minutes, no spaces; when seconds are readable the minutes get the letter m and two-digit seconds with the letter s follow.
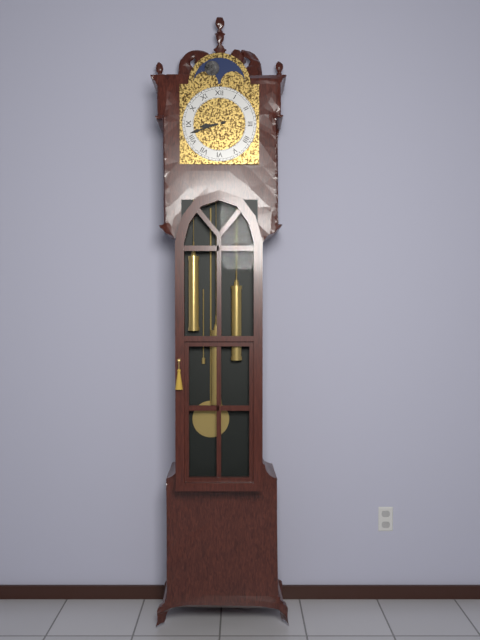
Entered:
8h42
